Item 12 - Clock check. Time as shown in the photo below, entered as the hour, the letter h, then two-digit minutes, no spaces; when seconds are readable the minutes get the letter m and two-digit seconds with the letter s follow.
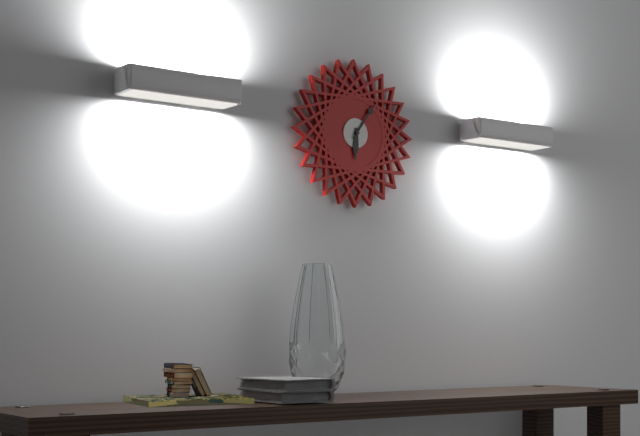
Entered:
6h06
